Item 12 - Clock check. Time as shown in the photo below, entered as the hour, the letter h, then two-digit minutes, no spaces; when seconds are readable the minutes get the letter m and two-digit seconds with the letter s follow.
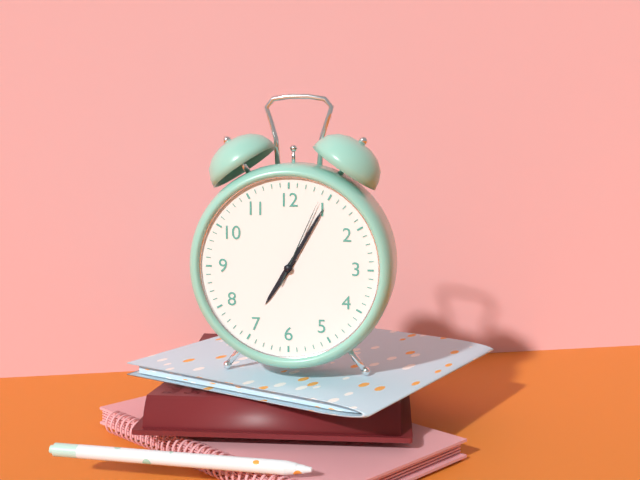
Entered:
7h05m04s
